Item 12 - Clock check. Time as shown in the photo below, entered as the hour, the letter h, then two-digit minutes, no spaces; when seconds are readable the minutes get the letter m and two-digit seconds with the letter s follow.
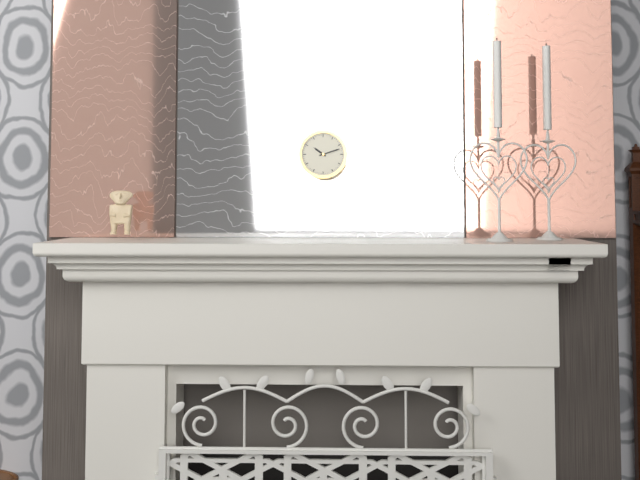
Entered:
10h12
